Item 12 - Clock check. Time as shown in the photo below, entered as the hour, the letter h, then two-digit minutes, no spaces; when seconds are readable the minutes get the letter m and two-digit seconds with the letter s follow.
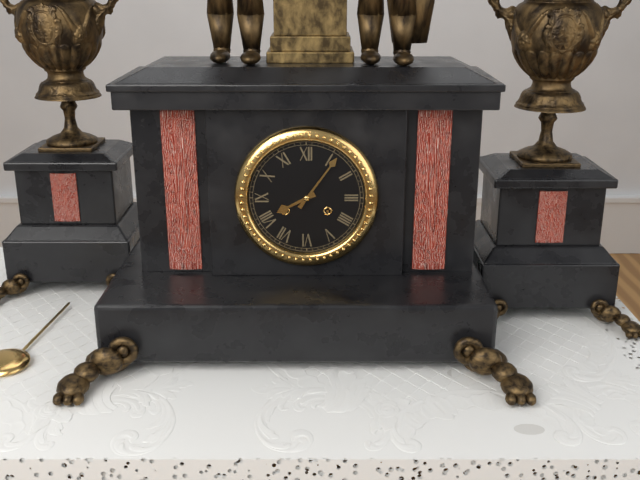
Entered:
8h06
